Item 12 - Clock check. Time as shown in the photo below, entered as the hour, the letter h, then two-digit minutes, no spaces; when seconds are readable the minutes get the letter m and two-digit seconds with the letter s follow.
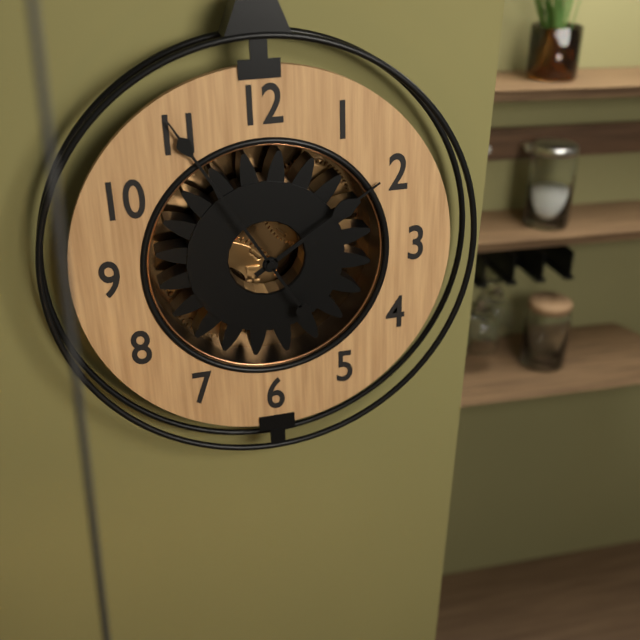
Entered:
1h55
